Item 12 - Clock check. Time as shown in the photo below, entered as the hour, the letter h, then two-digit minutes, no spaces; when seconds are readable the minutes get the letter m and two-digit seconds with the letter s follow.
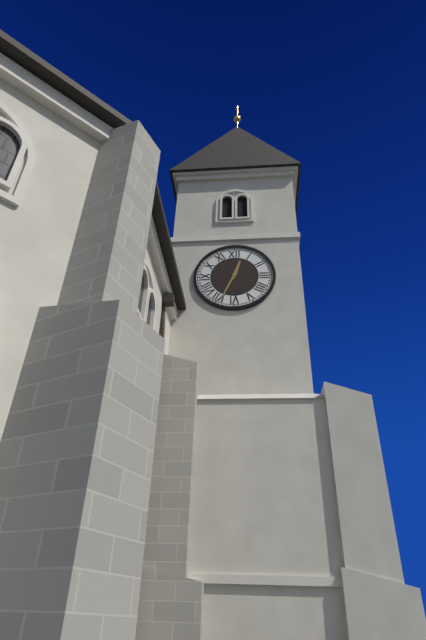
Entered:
12h34
